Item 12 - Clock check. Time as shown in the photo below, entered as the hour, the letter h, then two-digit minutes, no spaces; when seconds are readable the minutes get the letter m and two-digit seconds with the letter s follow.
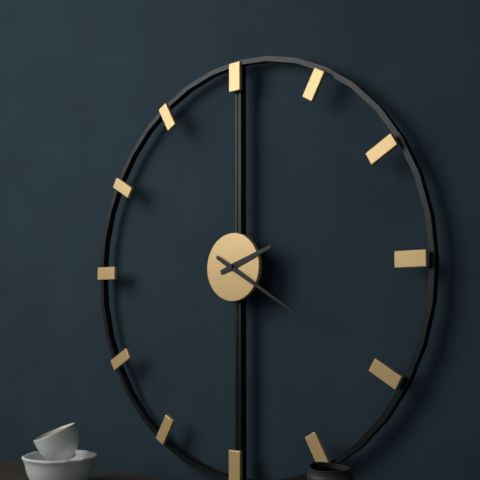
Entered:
2h20
